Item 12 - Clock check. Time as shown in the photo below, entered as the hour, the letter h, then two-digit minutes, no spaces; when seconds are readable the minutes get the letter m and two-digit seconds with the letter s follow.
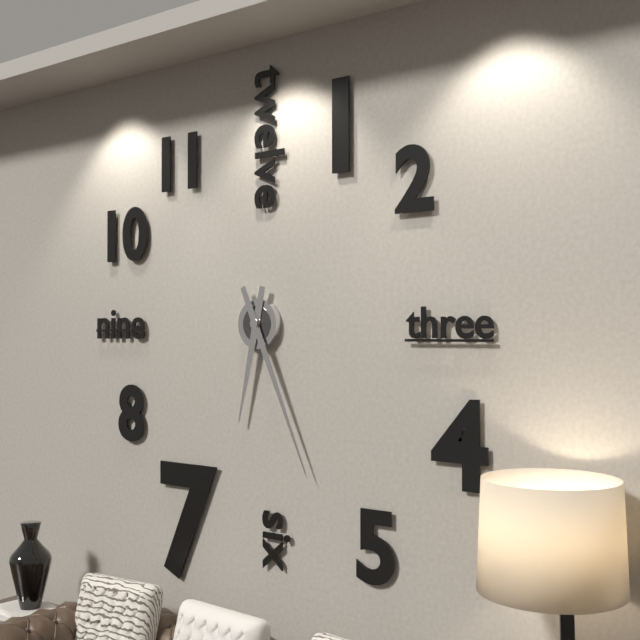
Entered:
6h26
